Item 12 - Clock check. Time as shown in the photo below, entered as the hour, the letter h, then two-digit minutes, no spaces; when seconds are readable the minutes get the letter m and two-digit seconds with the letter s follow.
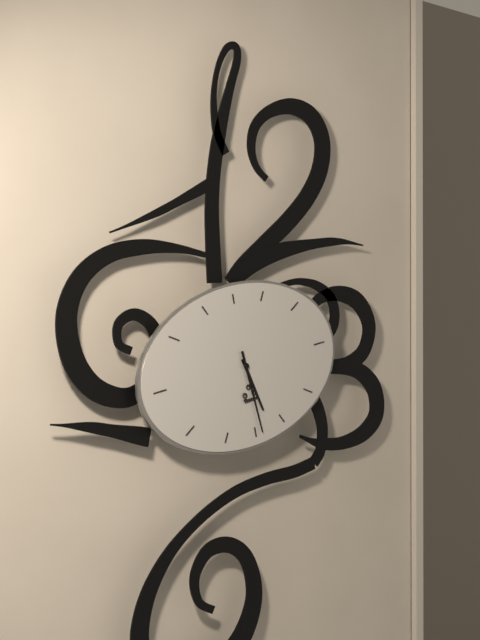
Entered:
5h29
